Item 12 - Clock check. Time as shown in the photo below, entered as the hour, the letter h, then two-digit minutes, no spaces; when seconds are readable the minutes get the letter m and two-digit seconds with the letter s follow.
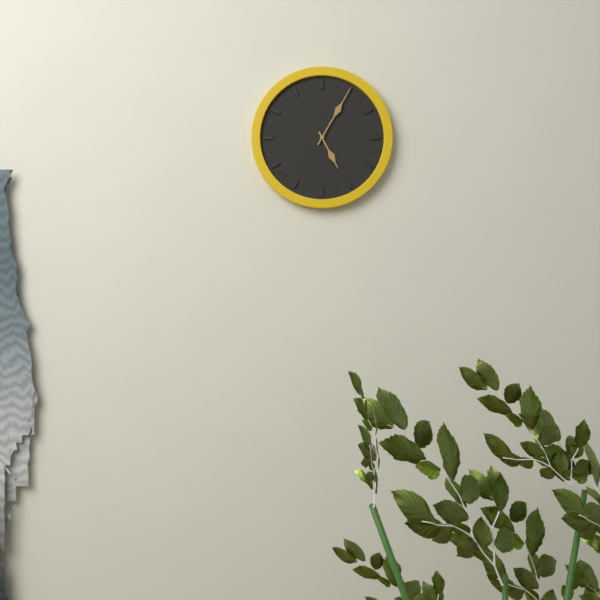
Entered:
5h05
